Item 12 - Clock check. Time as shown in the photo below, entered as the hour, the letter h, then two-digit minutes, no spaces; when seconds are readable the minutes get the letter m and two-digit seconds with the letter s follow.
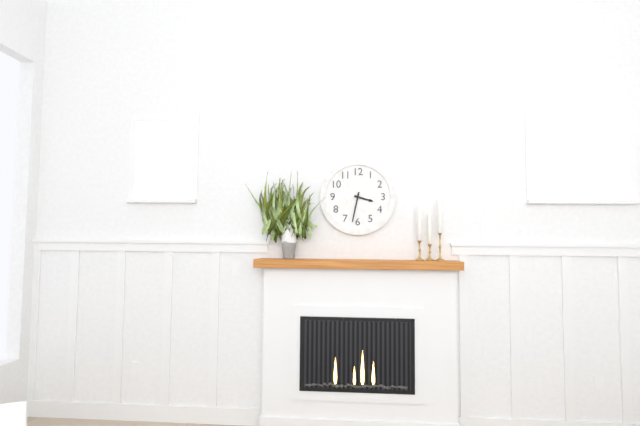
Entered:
3h32
